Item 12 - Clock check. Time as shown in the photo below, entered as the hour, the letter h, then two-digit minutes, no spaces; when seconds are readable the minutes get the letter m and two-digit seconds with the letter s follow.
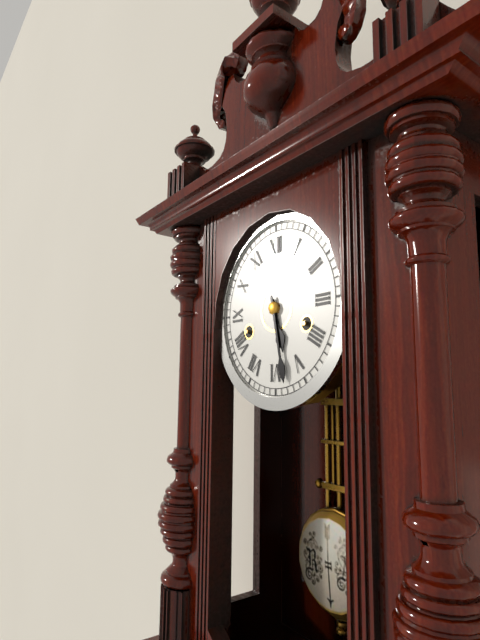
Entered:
5h28
